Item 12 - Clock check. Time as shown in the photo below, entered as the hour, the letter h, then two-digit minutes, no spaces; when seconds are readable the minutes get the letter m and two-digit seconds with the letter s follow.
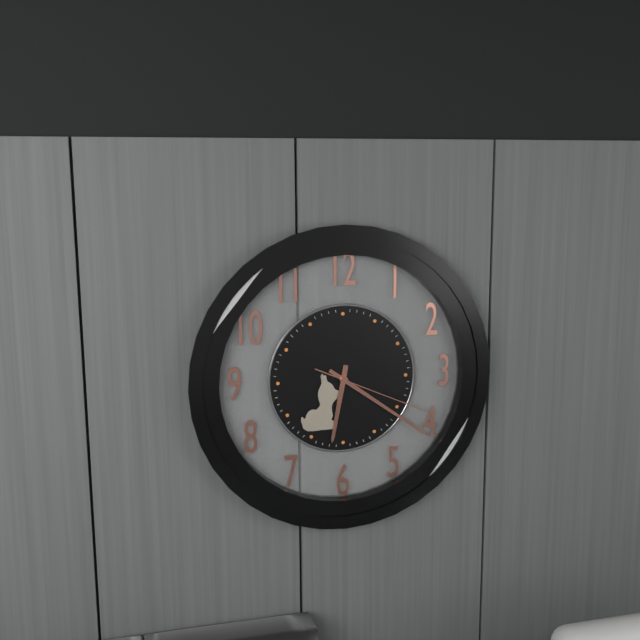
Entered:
6h21m19s
